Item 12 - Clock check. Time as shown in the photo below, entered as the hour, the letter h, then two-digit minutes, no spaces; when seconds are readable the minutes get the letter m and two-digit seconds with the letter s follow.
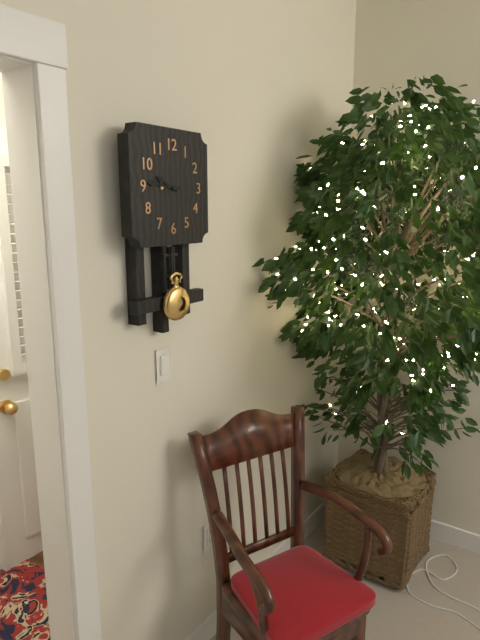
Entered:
9h46
